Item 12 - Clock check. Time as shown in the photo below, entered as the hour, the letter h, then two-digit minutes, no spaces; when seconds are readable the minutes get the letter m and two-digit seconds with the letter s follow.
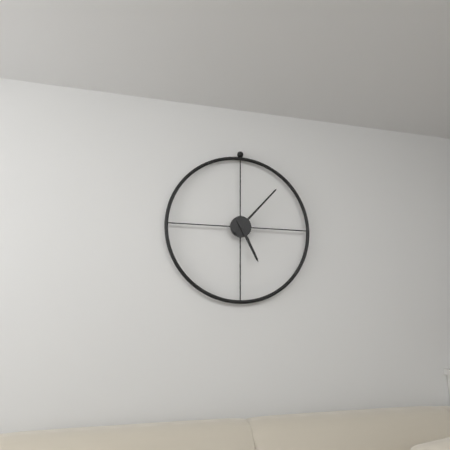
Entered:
5h07
